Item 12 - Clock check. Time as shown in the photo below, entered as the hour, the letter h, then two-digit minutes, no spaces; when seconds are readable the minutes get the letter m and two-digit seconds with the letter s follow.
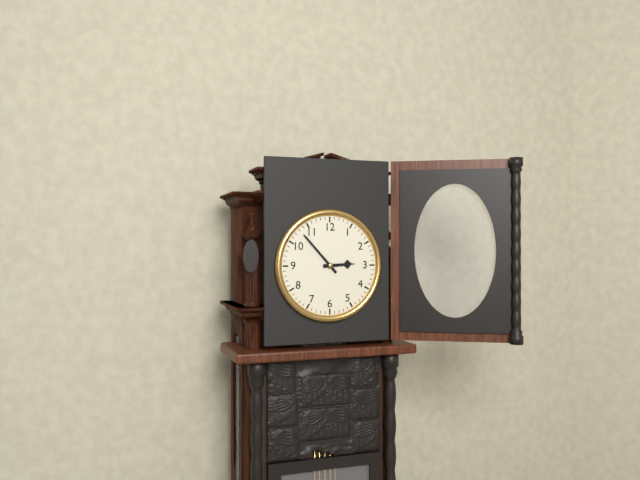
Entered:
2h53
